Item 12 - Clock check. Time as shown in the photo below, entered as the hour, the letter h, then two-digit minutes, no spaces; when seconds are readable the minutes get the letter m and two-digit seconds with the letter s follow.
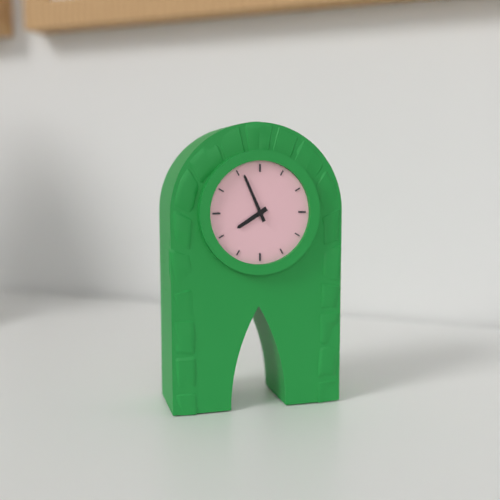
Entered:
7h56
